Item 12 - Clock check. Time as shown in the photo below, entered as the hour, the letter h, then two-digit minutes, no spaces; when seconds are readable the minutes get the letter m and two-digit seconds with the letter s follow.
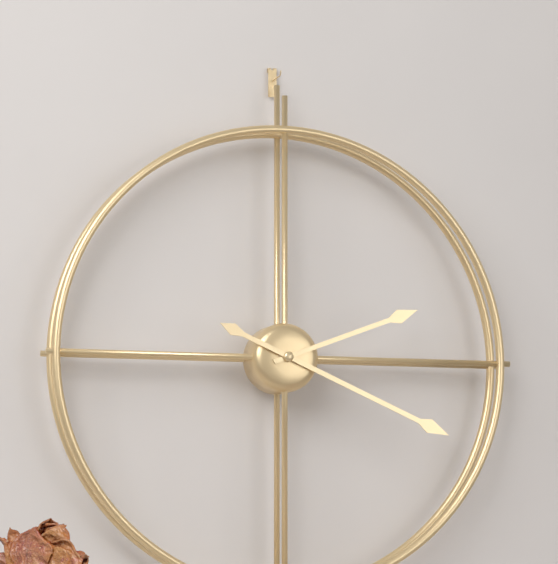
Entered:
2h19
